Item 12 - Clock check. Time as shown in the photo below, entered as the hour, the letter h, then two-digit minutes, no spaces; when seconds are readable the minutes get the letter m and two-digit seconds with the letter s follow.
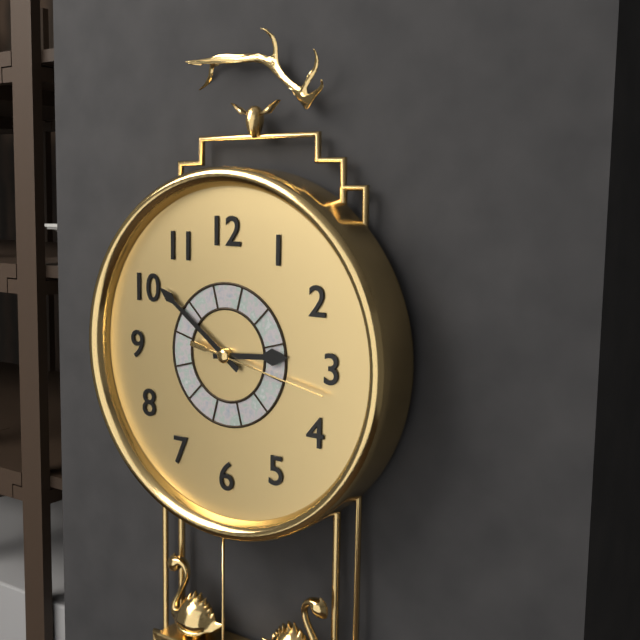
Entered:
2h51m17s
